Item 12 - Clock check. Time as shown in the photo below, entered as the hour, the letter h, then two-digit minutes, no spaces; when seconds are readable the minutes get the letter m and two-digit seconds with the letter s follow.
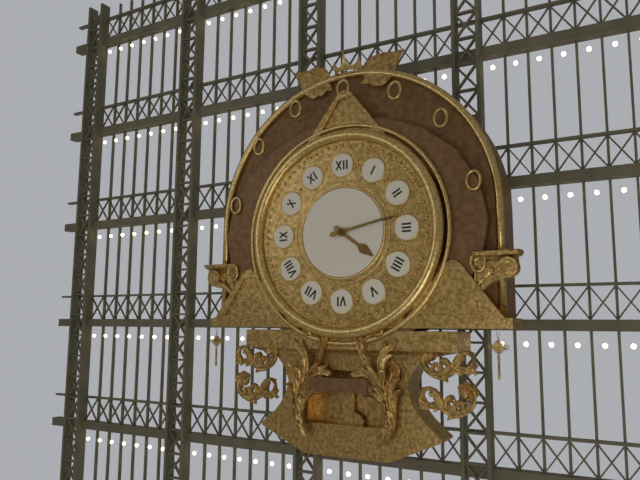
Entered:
4h13
